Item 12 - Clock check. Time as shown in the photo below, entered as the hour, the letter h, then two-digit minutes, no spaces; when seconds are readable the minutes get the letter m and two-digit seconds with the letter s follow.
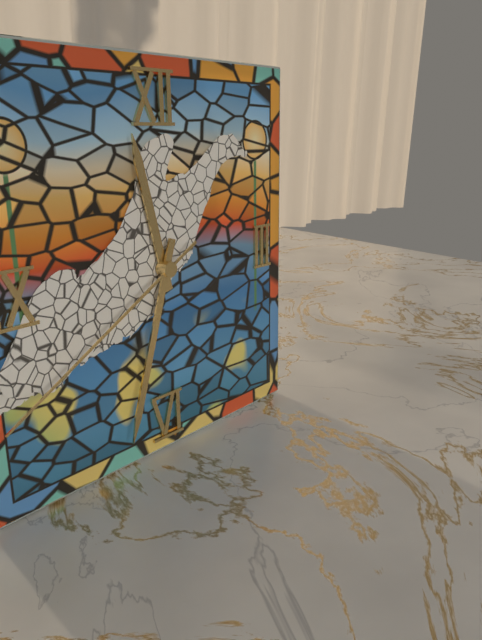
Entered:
11h33m40s
